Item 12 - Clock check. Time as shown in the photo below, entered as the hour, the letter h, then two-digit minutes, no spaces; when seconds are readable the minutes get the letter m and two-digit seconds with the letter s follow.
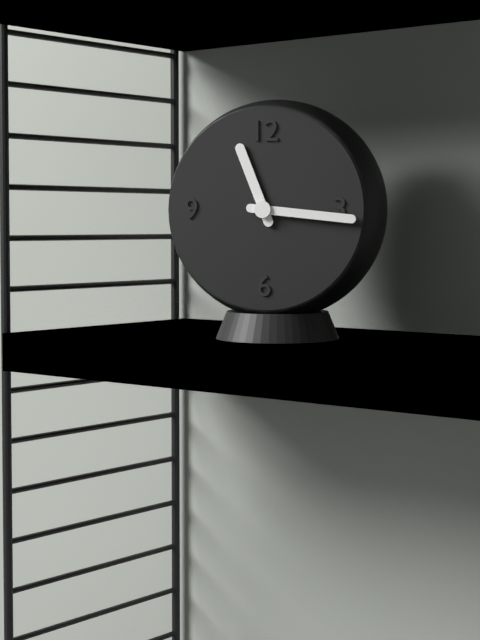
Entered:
11h16
